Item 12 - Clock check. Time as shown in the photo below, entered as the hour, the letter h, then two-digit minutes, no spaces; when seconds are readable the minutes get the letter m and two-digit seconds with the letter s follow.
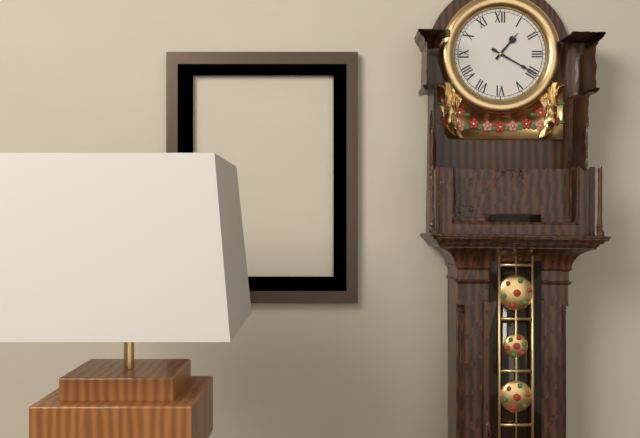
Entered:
1h20
